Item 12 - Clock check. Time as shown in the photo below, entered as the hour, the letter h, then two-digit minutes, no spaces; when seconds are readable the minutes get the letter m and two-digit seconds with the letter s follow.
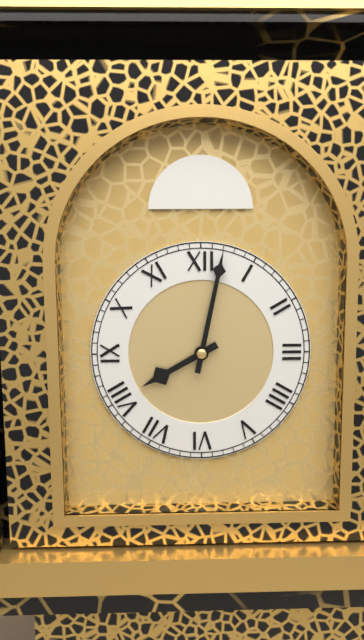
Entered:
8h02
